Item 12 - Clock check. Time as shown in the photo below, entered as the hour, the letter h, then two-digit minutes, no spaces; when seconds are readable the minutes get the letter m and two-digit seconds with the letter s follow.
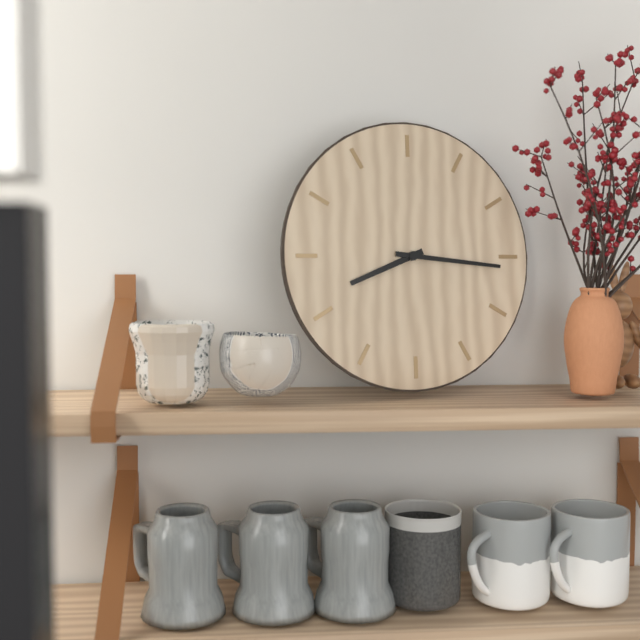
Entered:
8h16
